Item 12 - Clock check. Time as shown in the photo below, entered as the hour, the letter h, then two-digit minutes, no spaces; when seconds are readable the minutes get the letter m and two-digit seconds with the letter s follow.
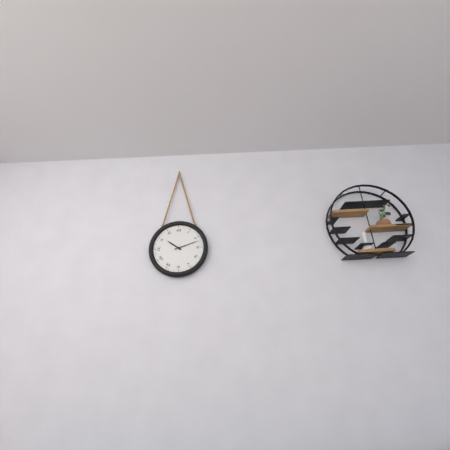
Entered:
10h12
